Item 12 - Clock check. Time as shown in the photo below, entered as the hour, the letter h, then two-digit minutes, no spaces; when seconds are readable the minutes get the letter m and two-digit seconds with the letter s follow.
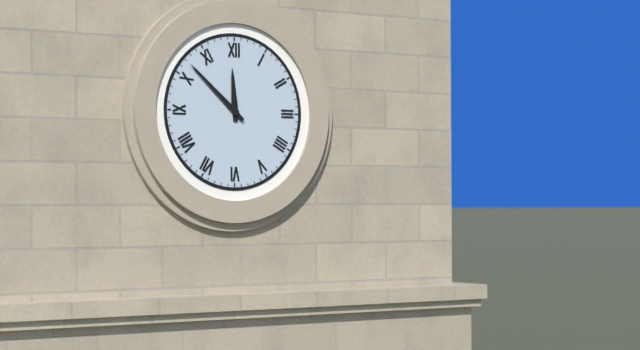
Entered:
11h52
